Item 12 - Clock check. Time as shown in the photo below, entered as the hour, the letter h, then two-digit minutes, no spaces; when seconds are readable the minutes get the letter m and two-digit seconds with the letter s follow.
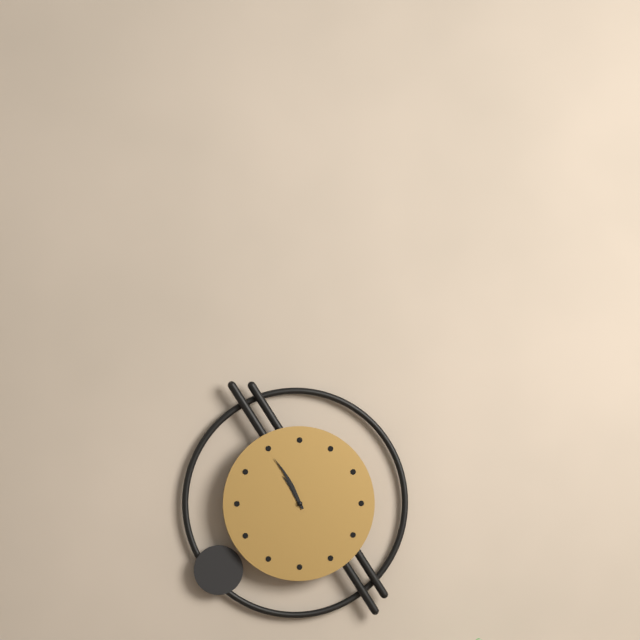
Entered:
10h55
